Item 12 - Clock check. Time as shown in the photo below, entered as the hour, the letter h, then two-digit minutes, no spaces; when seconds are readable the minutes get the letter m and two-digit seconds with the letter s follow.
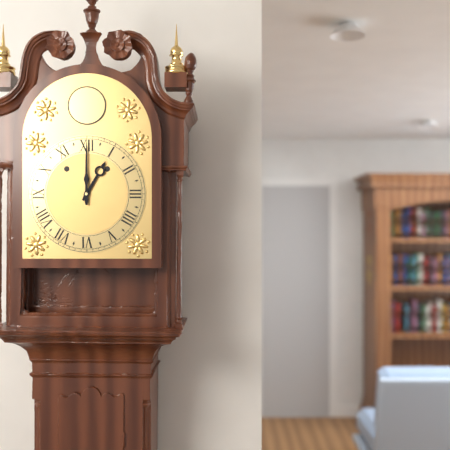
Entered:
1h00
